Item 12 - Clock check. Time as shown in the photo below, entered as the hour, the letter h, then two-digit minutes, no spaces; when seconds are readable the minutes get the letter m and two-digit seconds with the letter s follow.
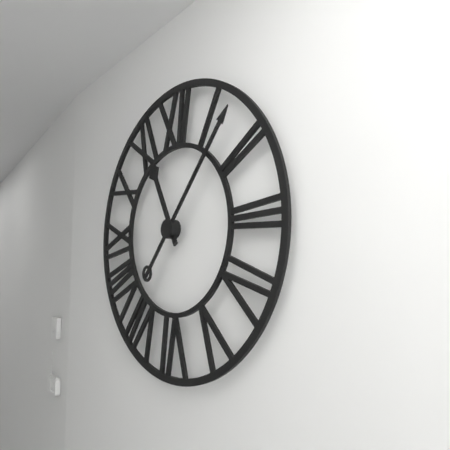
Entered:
11h07
